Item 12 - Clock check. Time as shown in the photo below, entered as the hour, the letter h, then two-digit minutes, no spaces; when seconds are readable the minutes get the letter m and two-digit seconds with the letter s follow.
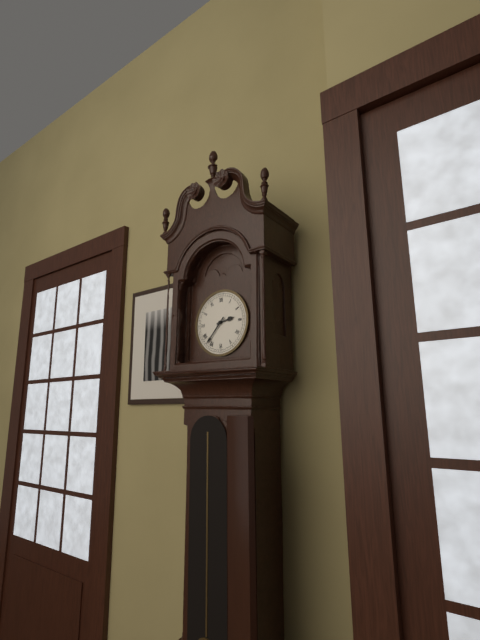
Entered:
2h37
